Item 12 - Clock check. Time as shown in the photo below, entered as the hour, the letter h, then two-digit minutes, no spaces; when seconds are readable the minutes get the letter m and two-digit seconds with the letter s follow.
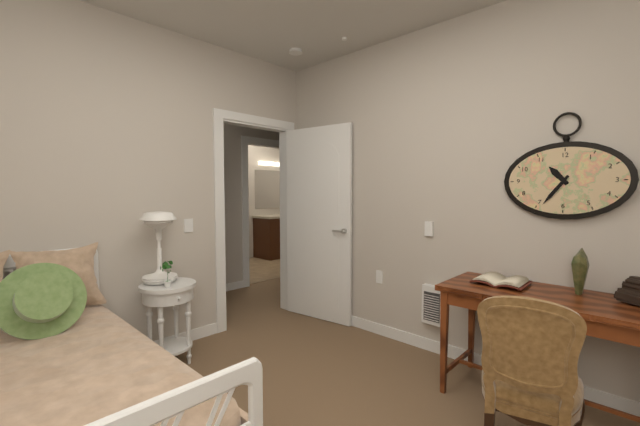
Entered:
10h36
